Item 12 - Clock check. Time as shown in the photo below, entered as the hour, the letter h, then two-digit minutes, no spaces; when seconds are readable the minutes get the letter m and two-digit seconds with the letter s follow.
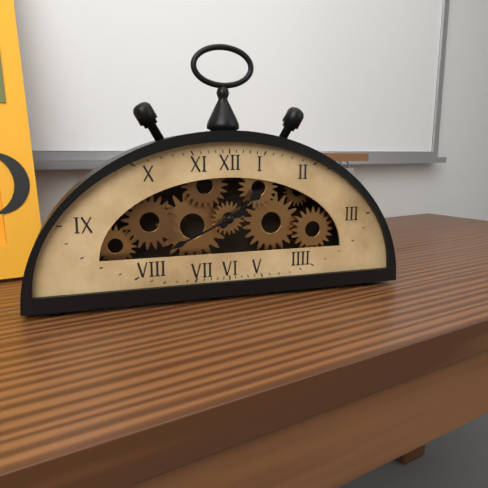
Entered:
1h41
